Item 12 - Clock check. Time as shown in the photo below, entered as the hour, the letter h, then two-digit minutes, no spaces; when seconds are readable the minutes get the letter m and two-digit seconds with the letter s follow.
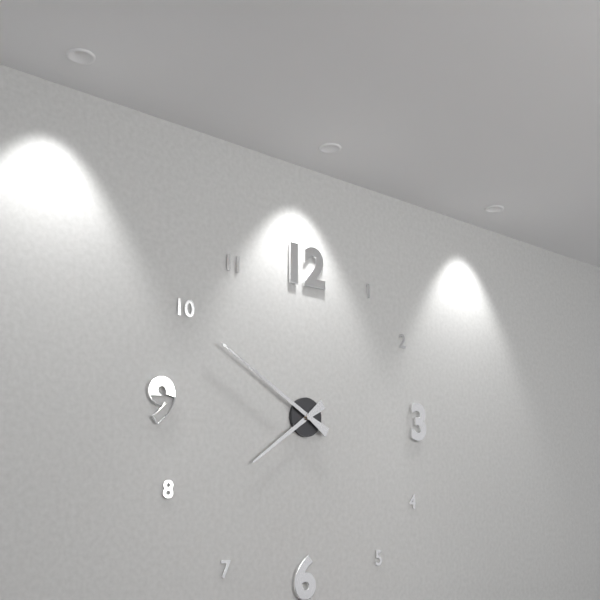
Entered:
7h50
